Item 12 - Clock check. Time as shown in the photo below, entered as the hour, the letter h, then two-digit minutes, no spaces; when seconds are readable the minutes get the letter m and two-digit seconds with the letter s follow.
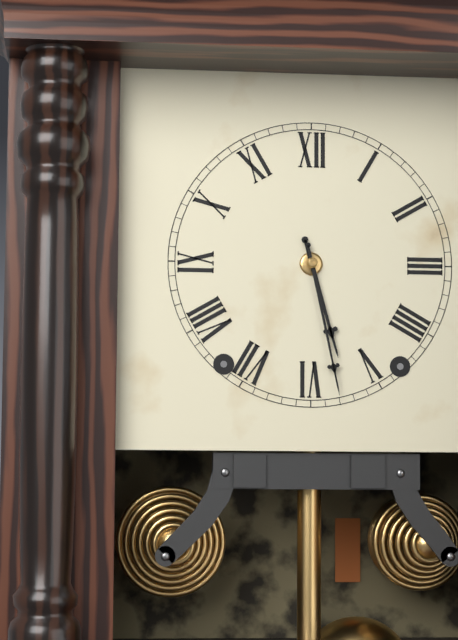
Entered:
5h28
